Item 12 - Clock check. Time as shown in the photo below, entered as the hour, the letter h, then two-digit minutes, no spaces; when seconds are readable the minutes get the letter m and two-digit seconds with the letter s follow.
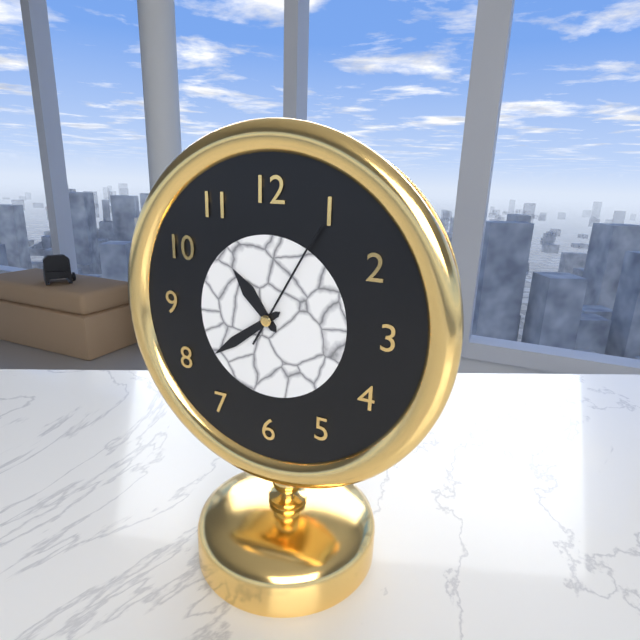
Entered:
10h39m05s
